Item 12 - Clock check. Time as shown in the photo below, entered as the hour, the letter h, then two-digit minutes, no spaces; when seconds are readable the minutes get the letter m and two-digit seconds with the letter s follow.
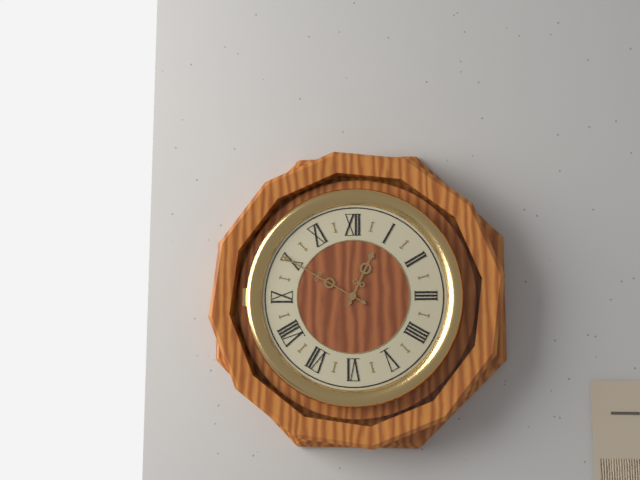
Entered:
12h50
